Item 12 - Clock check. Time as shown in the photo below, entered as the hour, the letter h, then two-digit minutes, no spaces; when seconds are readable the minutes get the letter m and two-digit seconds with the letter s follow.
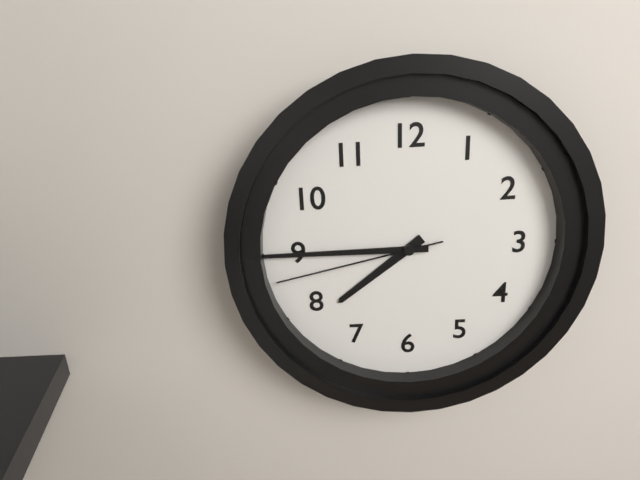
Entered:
7h45m43s
